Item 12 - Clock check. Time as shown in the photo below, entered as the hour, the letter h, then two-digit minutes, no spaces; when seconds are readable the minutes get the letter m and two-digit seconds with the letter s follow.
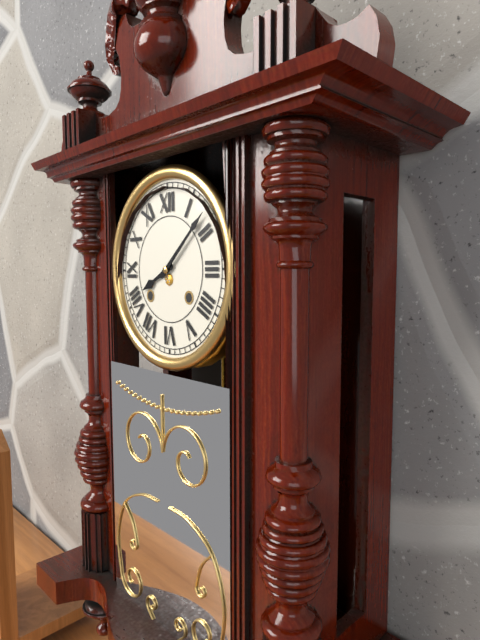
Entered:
8h08
